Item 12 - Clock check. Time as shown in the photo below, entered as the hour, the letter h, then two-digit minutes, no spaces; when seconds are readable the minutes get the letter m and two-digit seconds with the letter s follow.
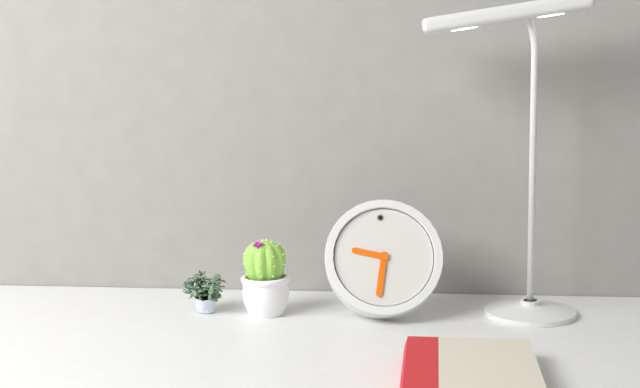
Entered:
9h32
